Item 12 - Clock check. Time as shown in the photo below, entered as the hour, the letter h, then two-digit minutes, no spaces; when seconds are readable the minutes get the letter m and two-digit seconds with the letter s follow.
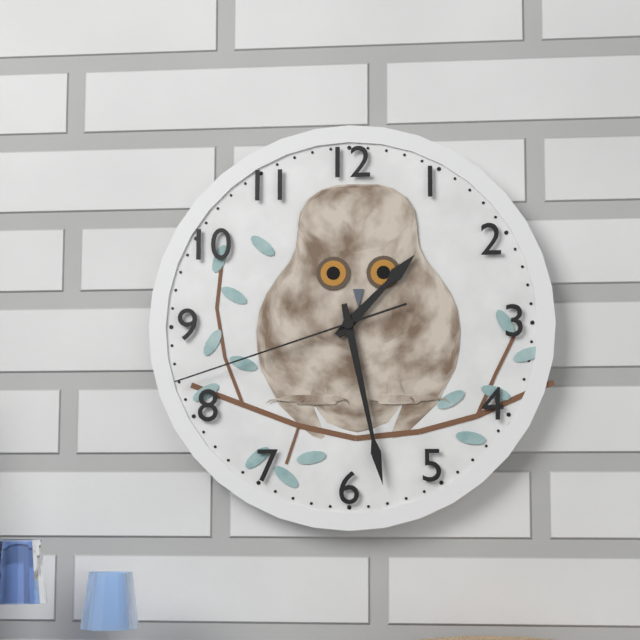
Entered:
1h28m42s
